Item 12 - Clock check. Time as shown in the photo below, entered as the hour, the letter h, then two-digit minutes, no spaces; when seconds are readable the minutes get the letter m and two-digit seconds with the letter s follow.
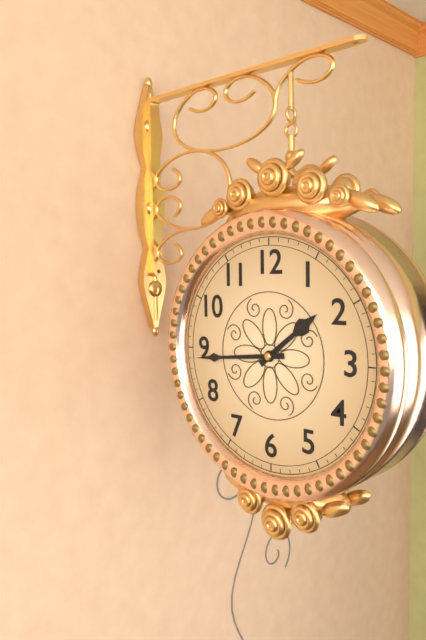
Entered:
1h44
